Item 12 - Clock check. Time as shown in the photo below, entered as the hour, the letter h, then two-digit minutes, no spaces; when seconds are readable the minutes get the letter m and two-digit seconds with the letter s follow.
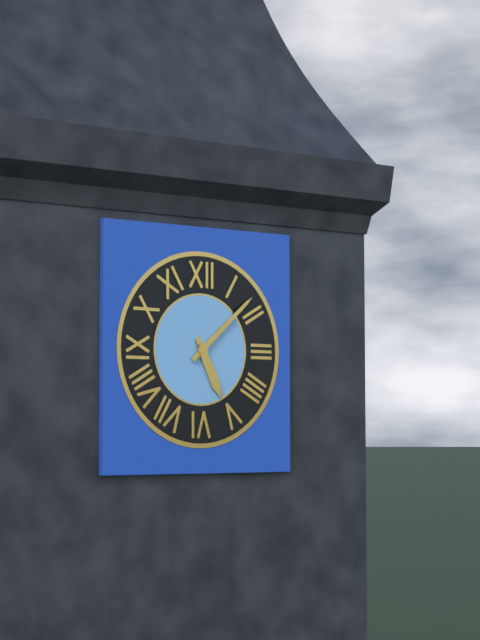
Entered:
5h08
